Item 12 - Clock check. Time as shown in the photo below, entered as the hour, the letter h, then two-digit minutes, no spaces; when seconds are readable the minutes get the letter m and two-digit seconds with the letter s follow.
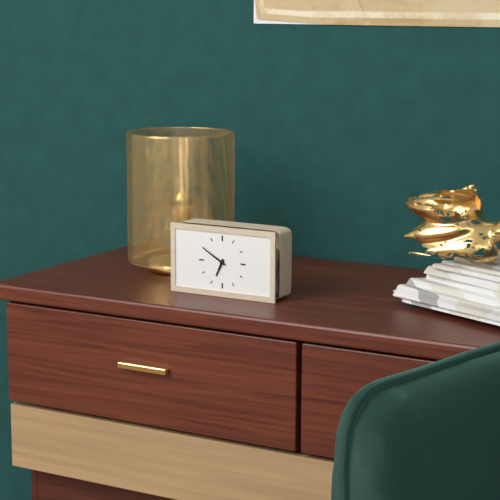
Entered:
6h50
